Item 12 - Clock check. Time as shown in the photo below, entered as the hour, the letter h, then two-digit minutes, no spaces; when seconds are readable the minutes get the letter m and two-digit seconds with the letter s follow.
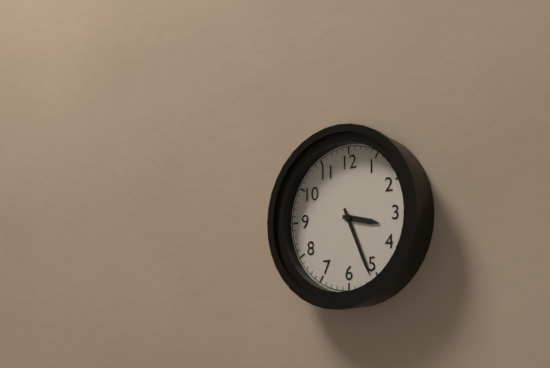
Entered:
3h26
